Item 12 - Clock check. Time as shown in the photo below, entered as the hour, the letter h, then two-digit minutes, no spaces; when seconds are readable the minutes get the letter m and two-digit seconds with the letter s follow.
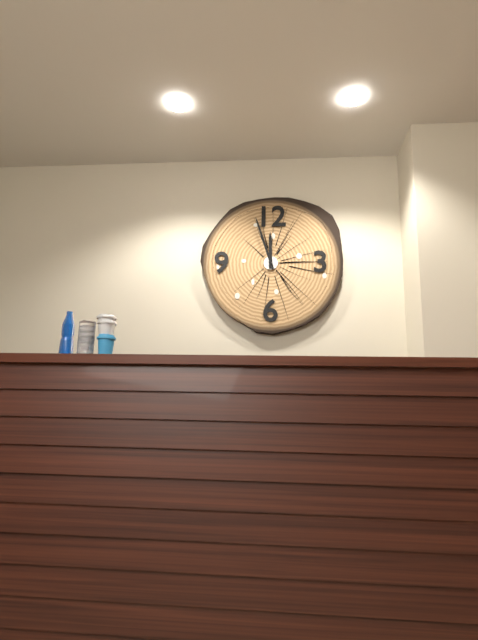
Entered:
11h57
